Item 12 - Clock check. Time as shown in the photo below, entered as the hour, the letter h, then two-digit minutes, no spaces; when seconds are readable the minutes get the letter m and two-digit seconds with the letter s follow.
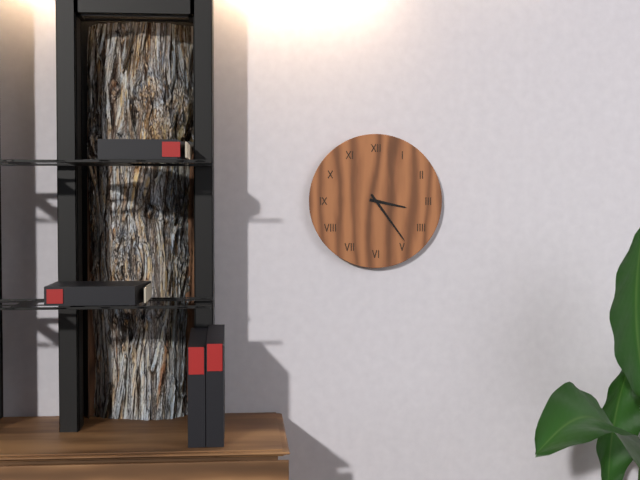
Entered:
3h24
